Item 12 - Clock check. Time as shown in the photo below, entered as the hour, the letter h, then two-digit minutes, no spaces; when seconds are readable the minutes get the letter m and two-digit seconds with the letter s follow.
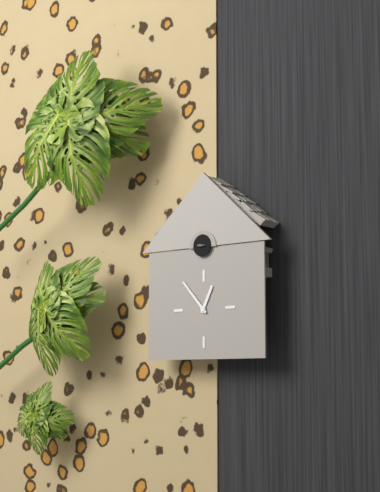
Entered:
12h53
